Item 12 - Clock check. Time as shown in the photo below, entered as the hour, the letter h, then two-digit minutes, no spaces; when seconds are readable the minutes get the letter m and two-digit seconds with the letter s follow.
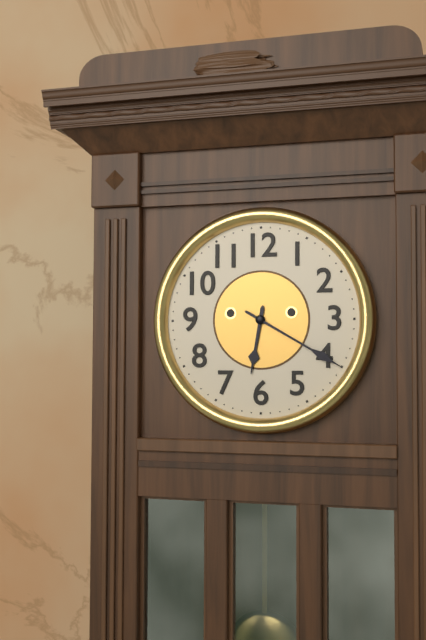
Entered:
6h20
